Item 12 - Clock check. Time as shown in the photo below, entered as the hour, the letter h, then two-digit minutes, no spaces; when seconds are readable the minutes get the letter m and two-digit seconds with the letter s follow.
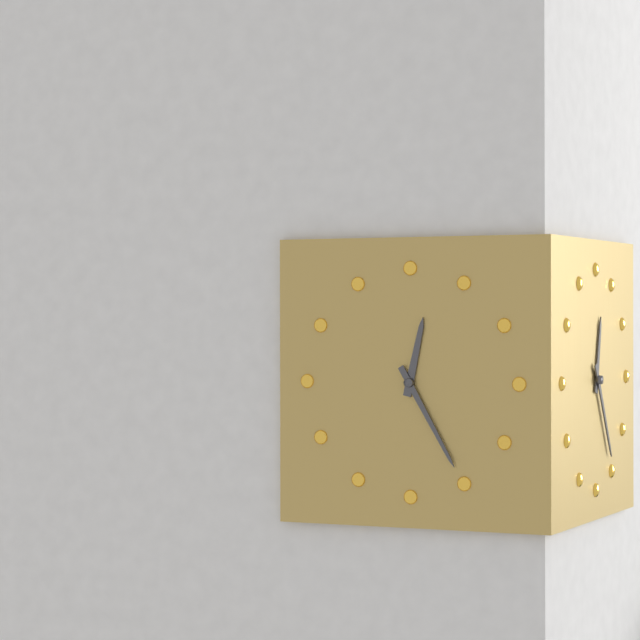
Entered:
12h25
